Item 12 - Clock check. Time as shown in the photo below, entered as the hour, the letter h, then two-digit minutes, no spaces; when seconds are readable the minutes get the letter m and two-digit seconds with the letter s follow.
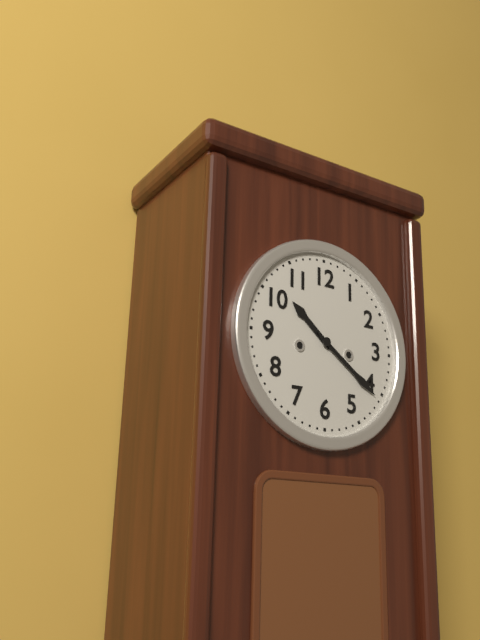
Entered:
10h21
